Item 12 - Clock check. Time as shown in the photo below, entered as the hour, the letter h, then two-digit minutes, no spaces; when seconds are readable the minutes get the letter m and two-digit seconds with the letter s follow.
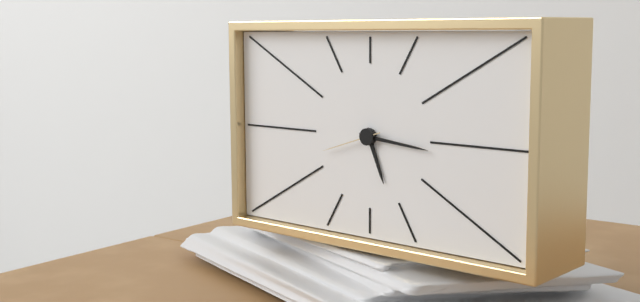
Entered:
5h16m42s
